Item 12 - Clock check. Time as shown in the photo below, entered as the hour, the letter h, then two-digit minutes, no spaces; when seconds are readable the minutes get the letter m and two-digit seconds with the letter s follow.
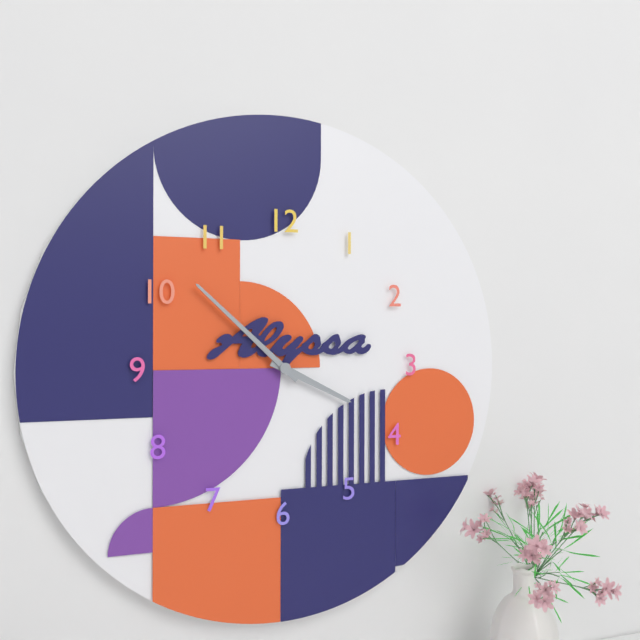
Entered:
3h52
